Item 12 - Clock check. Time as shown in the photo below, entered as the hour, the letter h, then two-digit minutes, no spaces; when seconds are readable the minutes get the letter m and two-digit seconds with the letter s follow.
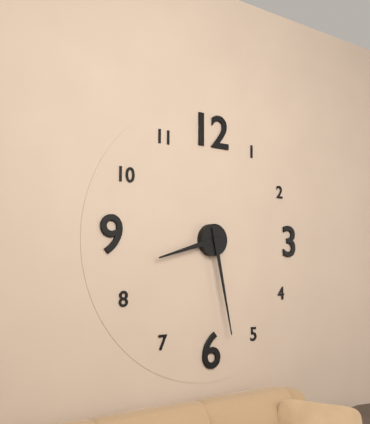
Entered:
8h28
